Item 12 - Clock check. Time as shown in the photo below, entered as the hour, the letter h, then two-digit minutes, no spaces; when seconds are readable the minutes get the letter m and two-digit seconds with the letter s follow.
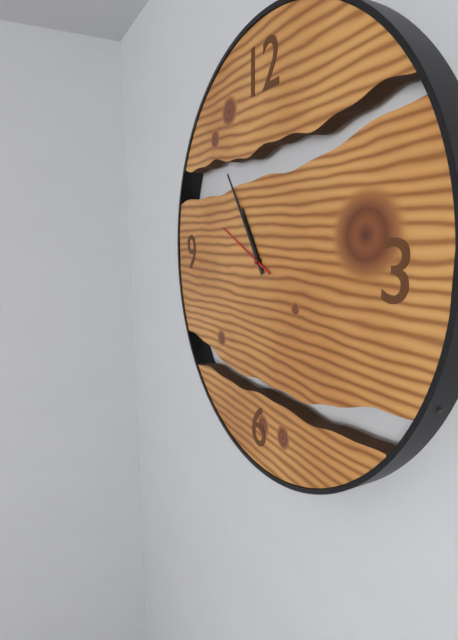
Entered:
10h54m49s
